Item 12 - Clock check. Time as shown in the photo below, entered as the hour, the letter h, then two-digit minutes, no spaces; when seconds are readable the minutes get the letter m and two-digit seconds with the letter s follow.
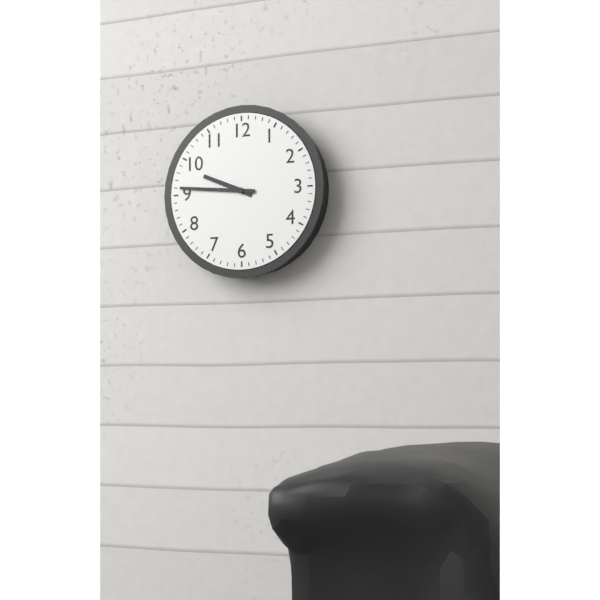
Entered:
9h46
